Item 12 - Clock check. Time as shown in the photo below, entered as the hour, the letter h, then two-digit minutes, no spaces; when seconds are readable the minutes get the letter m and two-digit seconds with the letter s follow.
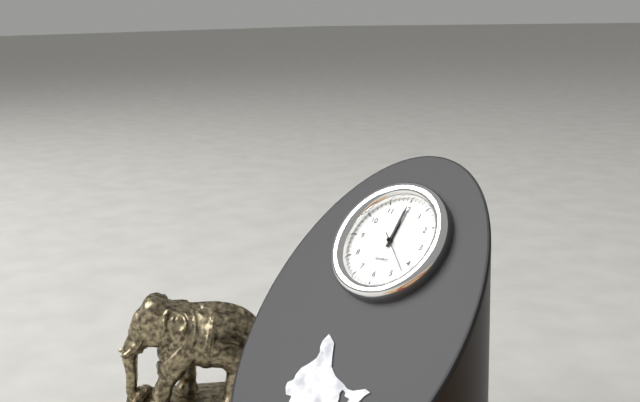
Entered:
12h00
